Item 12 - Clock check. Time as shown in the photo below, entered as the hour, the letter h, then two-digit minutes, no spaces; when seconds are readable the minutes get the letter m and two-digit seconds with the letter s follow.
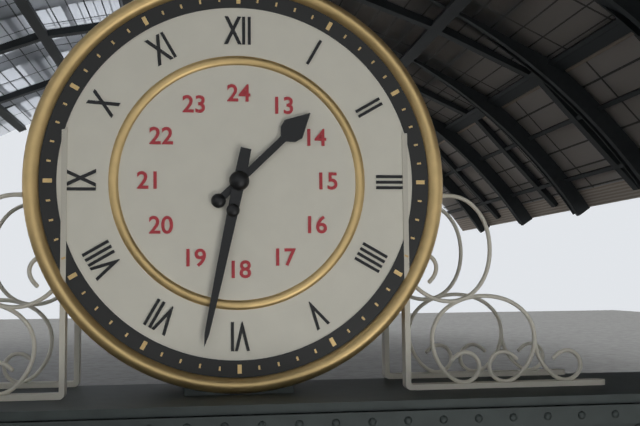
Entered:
1h32
